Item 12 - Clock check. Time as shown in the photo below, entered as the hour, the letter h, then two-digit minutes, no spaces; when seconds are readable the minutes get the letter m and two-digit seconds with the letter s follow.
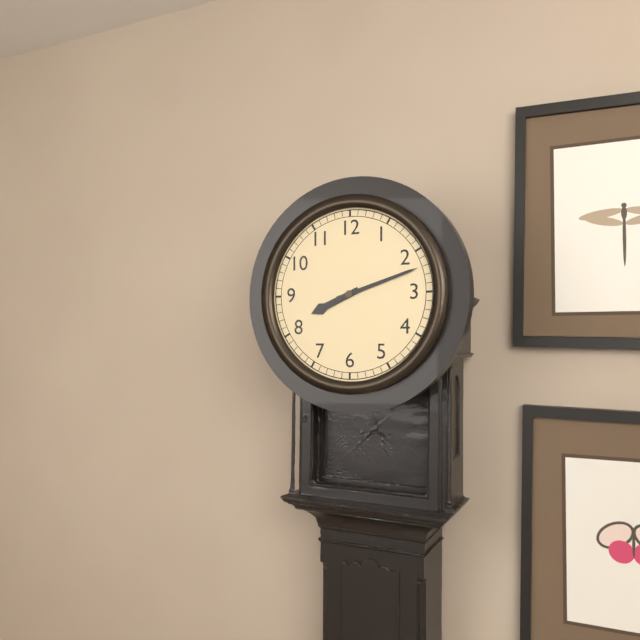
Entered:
8h12
